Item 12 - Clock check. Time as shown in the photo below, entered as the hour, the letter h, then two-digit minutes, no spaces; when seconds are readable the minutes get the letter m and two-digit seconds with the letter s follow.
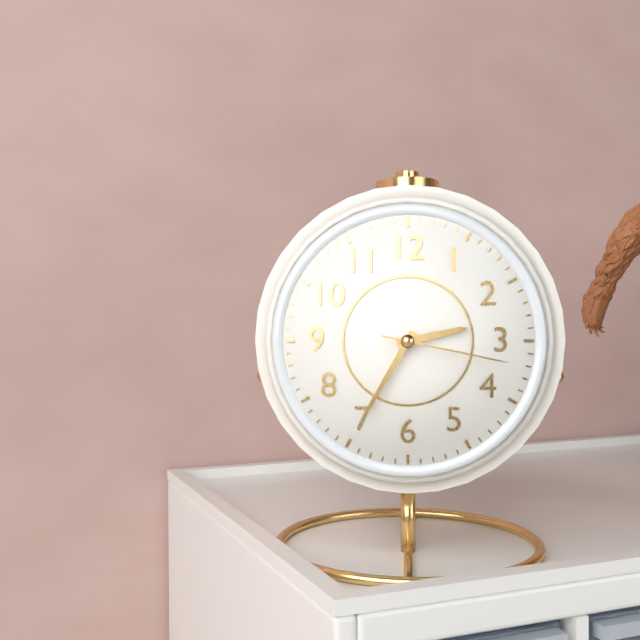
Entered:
2h35m17s
